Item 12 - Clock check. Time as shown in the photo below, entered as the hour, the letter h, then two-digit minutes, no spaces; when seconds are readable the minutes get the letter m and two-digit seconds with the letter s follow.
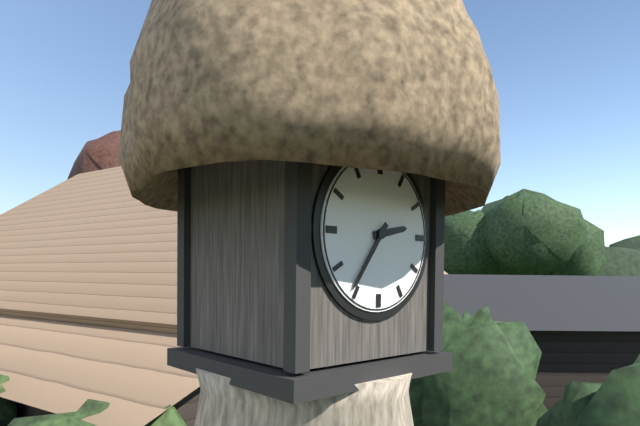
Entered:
2h36
